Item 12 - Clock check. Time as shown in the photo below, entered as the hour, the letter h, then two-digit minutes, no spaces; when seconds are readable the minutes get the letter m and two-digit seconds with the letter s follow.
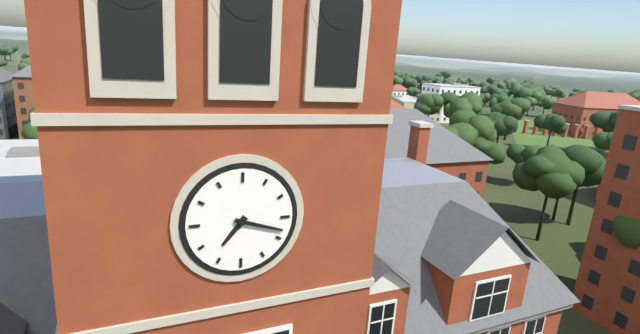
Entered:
7h18
